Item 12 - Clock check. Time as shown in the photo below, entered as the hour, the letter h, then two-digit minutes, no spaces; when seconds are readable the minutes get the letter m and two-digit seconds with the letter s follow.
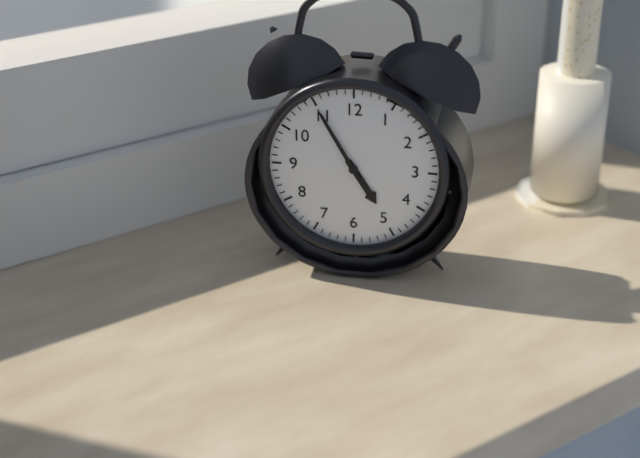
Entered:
4h55
